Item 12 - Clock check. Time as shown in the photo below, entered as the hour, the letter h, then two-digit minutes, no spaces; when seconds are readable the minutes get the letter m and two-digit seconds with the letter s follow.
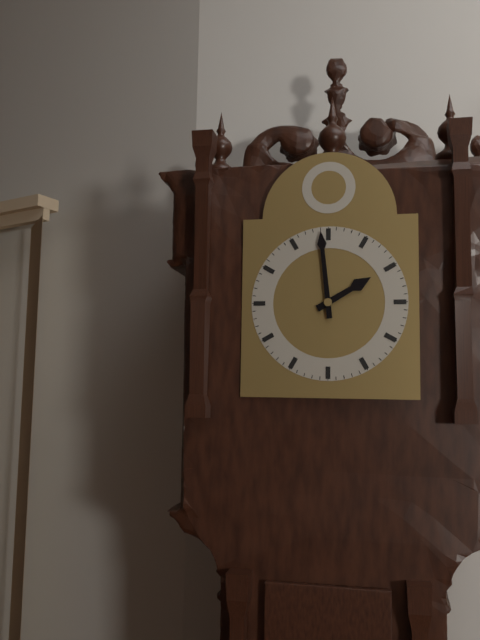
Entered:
1h59
